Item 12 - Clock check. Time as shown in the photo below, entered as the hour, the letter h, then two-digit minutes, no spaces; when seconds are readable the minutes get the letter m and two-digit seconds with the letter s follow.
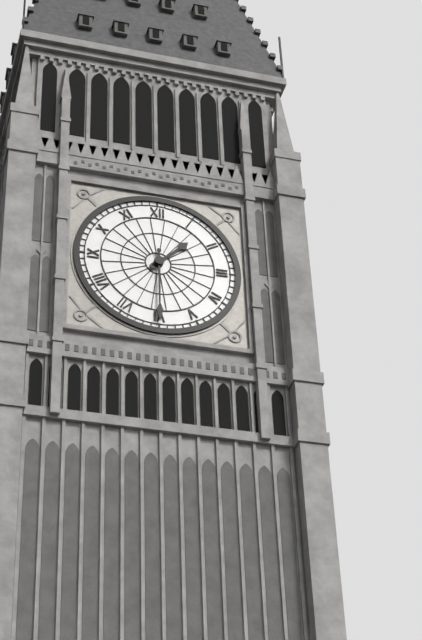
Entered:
1h30
